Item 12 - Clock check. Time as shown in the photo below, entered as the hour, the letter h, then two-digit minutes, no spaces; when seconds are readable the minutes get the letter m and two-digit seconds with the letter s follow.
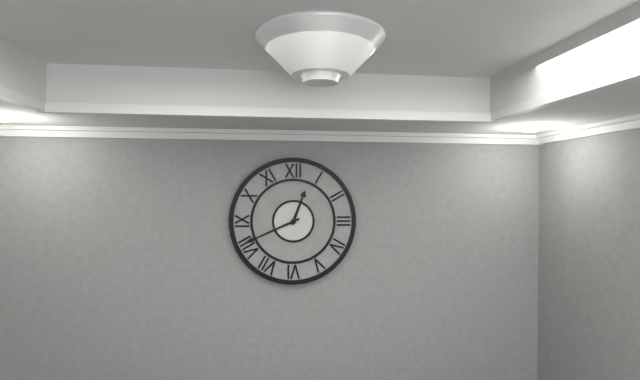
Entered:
12h41
